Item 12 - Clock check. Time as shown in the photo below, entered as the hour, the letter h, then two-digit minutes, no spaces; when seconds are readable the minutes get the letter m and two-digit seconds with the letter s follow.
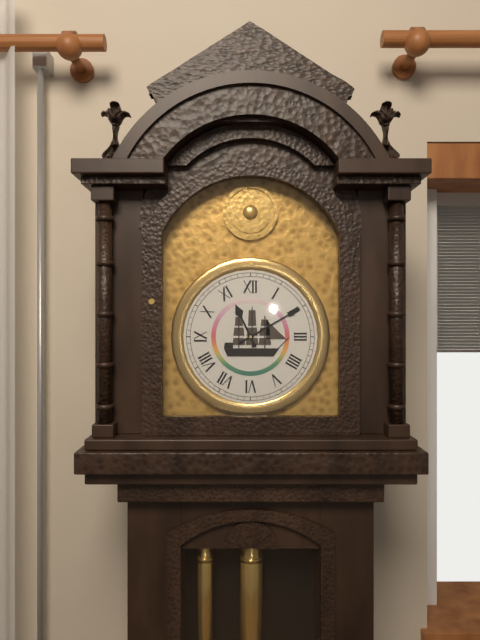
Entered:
11h10
